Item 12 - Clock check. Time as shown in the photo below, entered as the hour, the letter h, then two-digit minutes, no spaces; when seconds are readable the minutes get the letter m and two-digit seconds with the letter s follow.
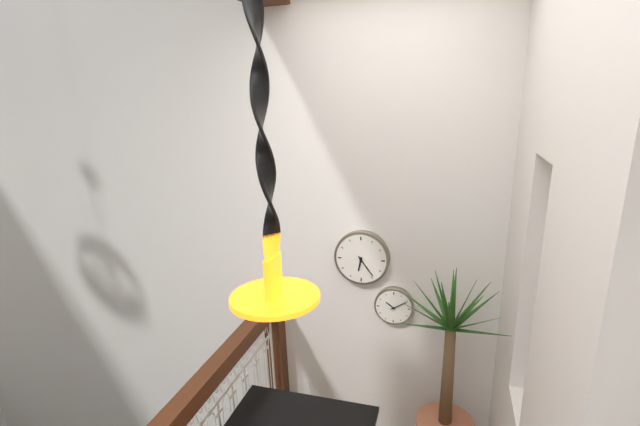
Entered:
6h24
